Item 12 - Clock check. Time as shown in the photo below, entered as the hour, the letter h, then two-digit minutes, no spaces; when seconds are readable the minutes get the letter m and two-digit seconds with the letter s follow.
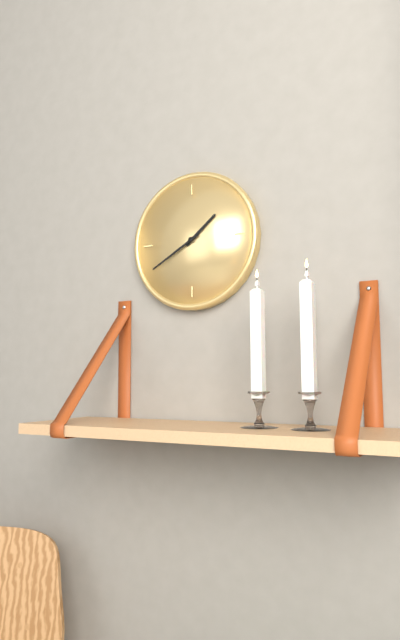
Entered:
1h40
